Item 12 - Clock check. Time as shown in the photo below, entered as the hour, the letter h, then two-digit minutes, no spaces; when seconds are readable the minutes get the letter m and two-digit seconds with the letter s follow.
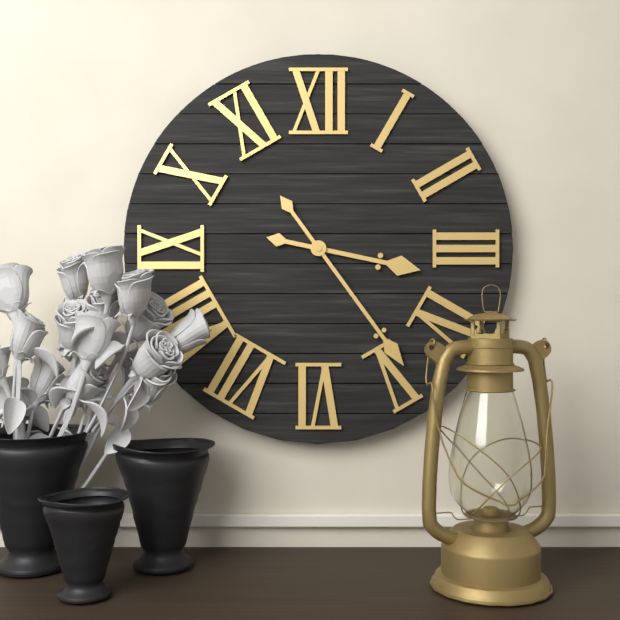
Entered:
3h24
